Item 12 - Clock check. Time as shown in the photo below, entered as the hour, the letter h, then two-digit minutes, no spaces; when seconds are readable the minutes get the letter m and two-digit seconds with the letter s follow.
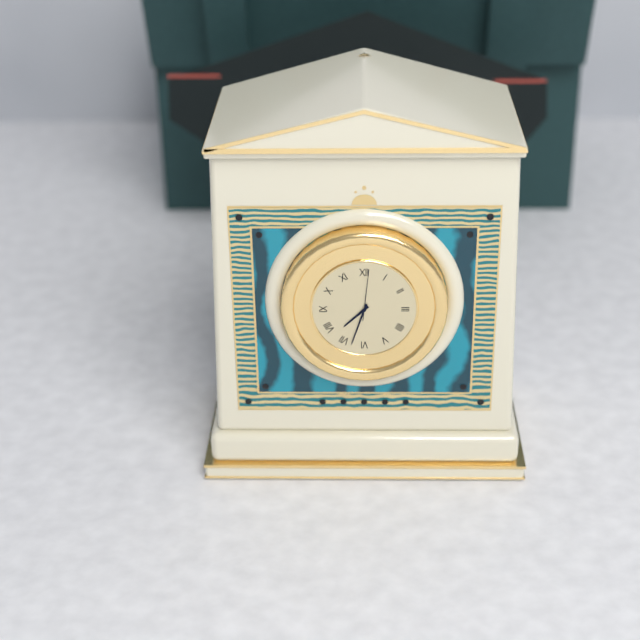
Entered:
7h33m01s
